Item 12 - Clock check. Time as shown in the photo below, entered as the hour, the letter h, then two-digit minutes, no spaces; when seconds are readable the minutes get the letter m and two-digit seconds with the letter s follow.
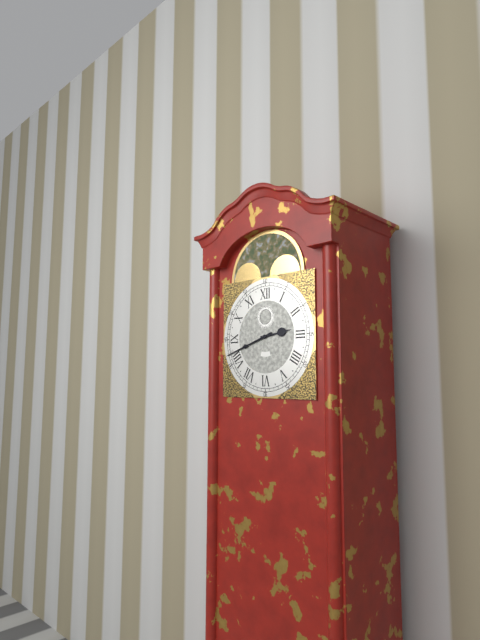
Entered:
2h42
